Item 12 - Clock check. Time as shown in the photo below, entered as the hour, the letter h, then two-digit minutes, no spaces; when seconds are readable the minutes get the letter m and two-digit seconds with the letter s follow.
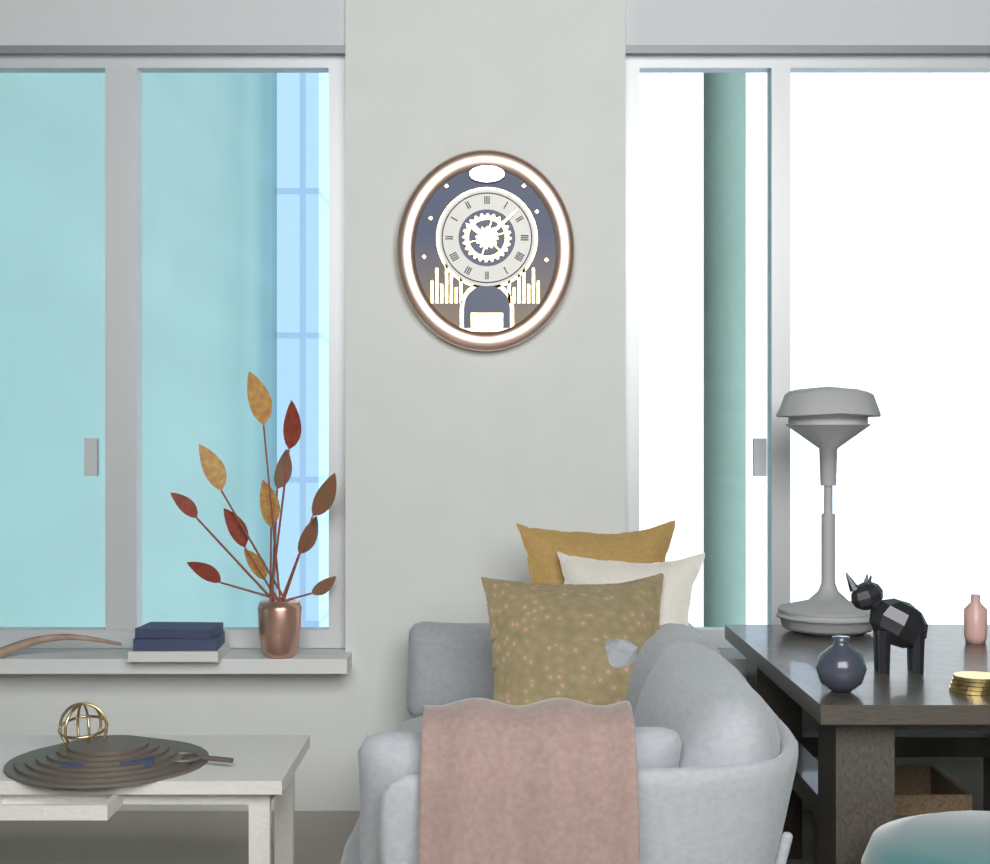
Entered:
10h08
